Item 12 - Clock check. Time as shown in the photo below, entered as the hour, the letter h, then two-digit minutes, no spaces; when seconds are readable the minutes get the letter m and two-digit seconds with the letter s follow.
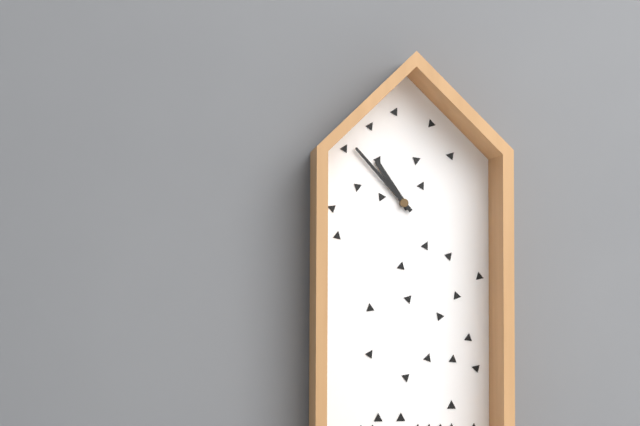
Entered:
10h53
